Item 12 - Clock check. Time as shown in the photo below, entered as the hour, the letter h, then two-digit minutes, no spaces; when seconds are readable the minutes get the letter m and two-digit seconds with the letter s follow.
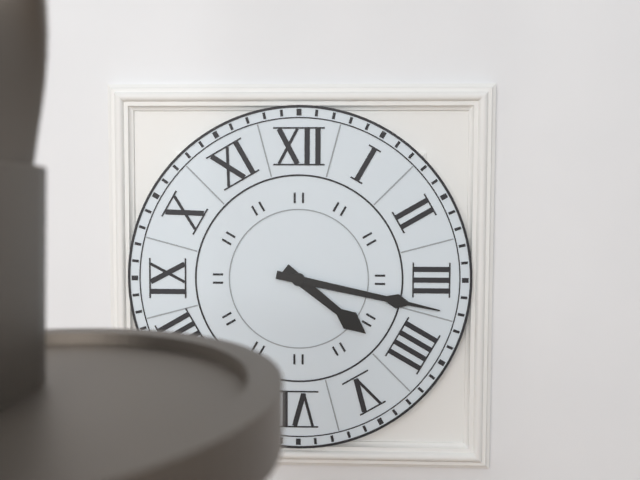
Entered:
4h17
